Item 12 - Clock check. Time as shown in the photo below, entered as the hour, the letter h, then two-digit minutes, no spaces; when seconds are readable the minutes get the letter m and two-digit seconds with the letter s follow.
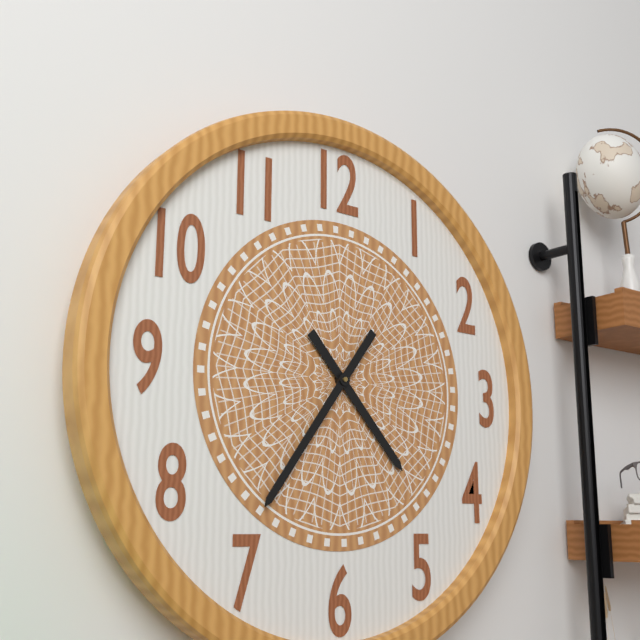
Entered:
4h36
